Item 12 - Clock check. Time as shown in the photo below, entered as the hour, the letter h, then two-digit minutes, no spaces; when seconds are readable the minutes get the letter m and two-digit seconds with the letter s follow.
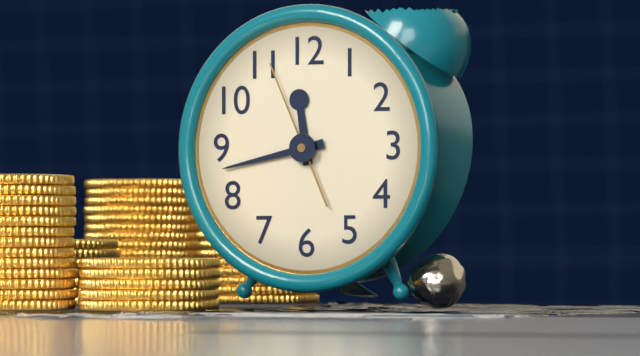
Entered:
11h43m56s
